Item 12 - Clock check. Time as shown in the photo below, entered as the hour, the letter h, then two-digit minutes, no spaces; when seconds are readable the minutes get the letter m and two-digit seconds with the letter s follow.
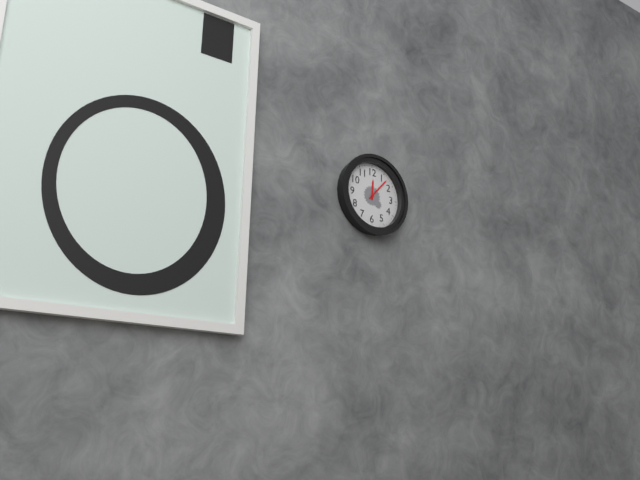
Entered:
12h07
